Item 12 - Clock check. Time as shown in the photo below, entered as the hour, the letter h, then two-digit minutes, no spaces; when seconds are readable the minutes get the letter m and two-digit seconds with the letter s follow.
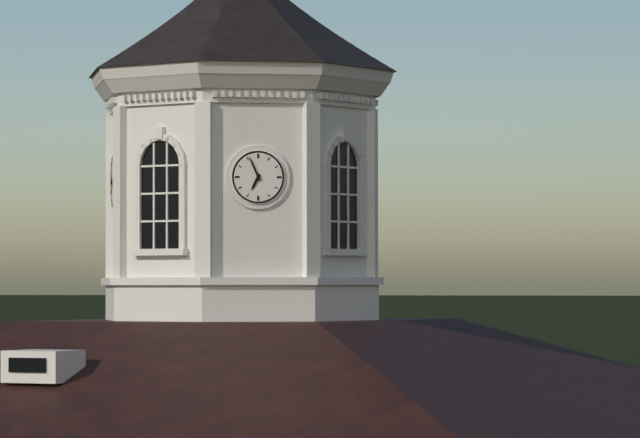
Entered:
6h56
